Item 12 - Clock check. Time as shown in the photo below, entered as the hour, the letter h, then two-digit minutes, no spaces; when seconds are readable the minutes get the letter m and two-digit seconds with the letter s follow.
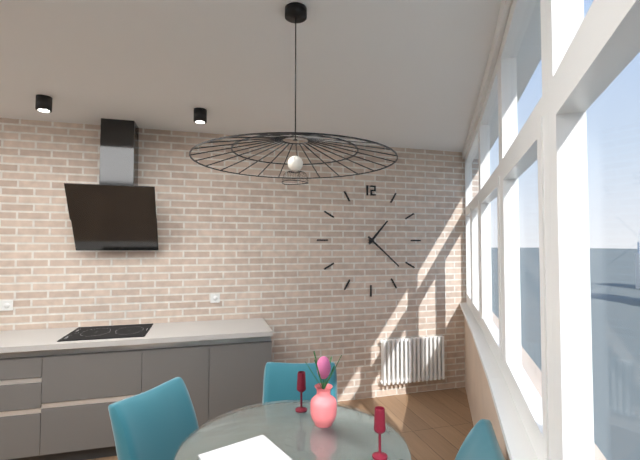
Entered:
1h22
